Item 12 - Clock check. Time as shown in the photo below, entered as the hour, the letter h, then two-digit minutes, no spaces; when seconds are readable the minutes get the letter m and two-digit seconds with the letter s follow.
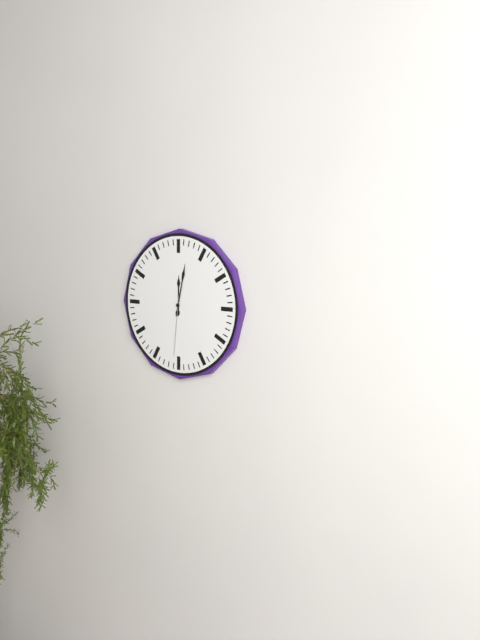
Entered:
12h02m31s
